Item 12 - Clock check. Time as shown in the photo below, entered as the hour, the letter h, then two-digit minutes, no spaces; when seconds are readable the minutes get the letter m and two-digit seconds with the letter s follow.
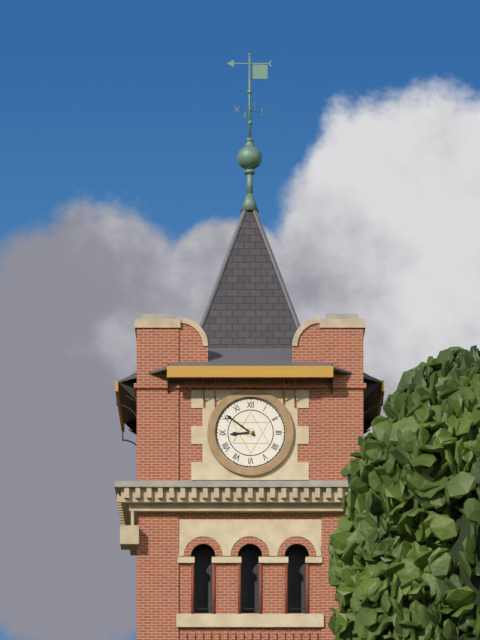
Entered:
8h51
